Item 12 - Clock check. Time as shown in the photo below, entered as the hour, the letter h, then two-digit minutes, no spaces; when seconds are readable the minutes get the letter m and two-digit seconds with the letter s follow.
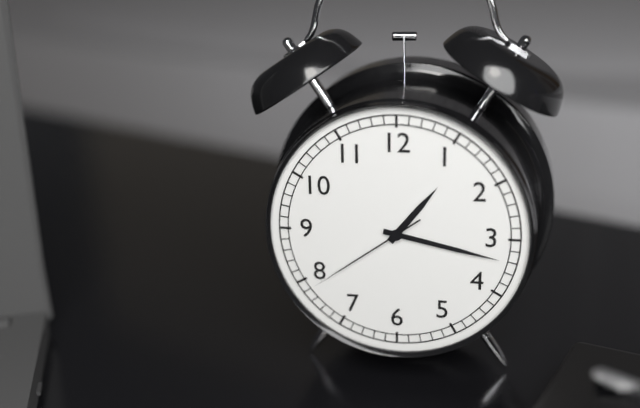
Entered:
1h17m39s
